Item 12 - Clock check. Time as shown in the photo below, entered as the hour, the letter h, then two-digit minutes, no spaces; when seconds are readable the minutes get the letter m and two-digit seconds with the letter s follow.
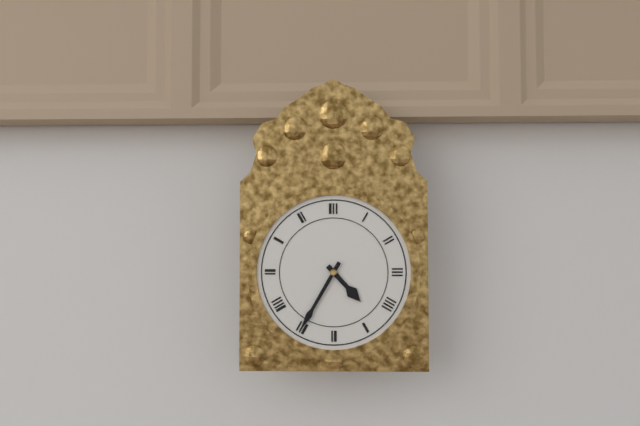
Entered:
4h35
